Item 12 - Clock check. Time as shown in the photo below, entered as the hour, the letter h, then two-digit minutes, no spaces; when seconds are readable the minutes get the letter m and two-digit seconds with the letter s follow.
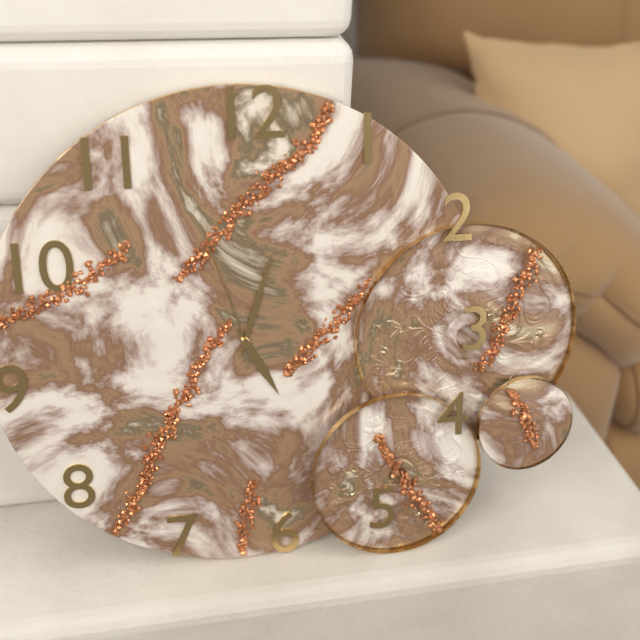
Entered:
5h03m57s
